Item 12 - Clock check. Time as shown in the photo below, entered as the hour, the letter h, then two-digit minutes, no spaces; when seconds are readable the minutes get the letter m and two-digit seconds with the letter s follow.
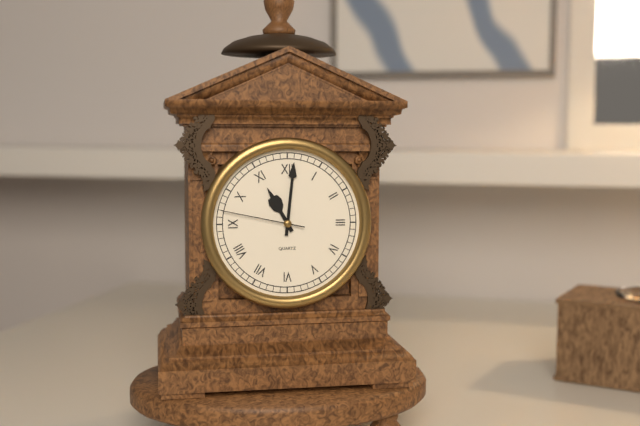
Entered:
11h01m47s
